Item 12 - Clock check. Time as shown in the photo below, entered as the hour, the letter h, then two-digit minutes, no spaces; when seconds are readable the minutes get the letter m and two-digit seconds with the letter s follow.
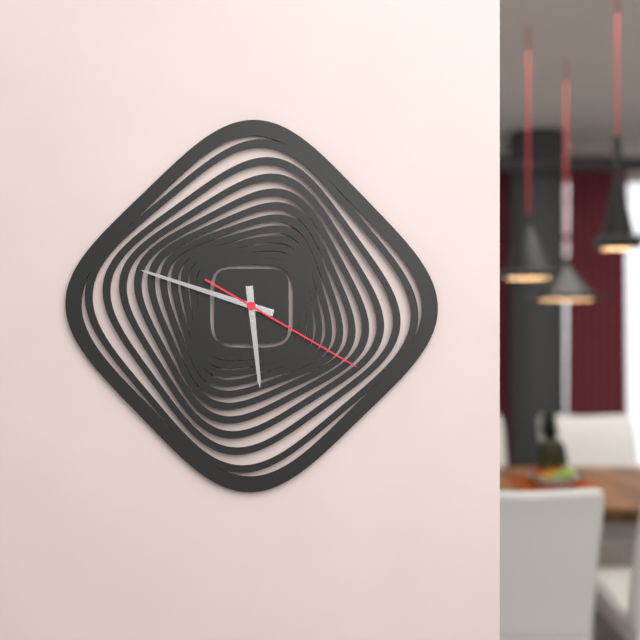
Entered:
5h48m20s
